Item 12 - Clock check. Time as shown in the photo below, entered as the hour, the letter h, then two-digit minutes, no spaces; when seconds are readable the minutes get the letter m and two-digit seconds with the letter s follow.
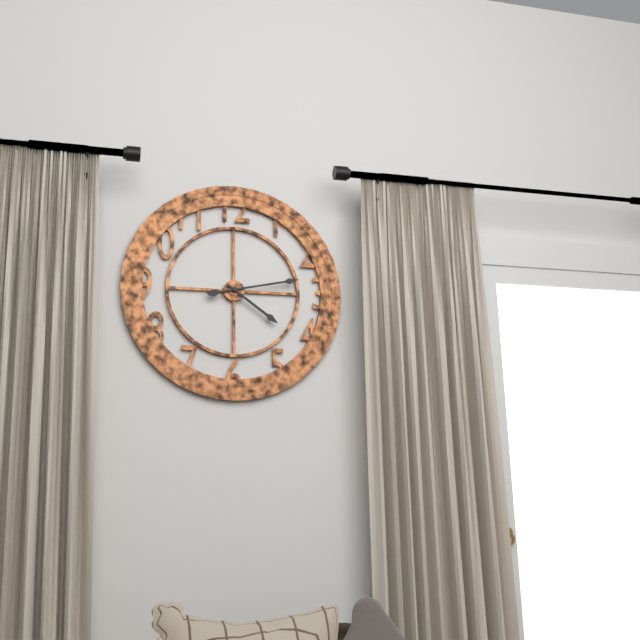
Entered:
4h13
